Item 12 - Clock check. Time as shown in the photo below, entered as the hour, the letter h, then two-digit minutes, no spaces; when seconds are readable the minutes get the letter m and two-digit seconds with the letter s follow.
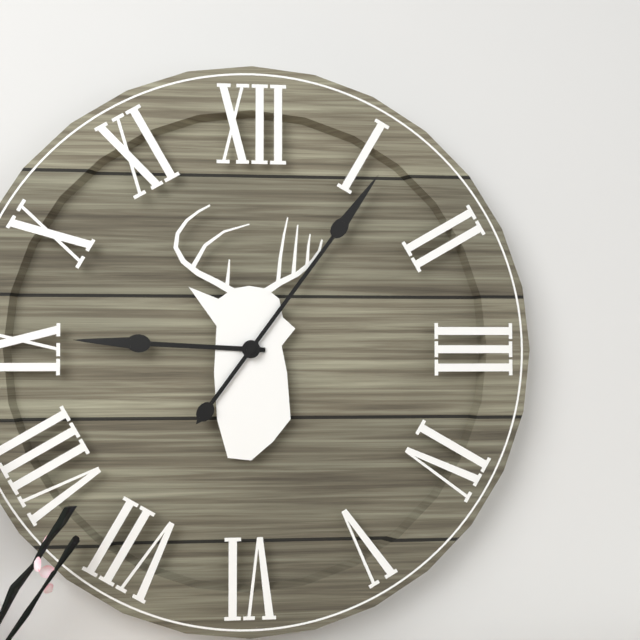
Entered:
9h06
